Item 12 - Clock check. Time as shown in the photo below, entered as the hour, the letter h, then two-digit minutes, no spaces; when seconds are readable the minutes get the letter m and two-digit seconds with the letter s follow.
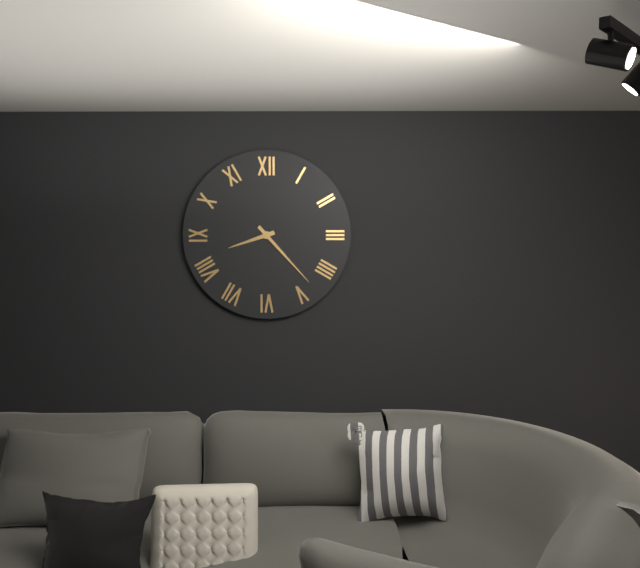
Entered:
8h23
